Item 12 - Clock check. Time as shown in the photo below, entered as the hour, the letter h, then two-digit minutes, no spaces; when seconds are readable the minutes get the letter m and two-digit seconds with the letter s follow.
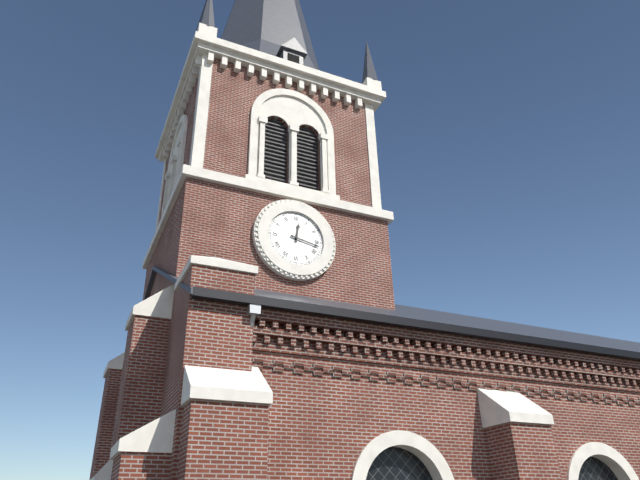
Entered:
12h17
